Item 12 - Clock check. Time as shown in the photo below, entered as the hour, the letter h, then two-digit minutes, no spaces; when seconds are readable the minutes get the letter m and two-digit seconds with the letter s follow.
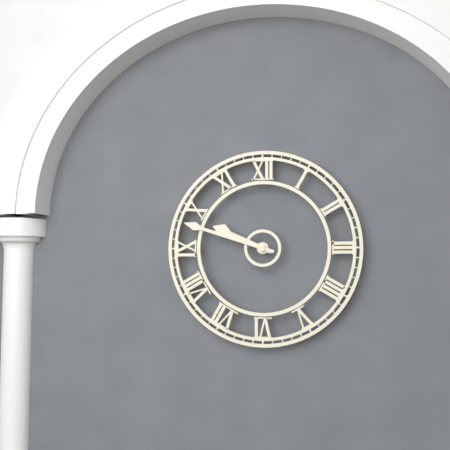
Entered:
9h48
